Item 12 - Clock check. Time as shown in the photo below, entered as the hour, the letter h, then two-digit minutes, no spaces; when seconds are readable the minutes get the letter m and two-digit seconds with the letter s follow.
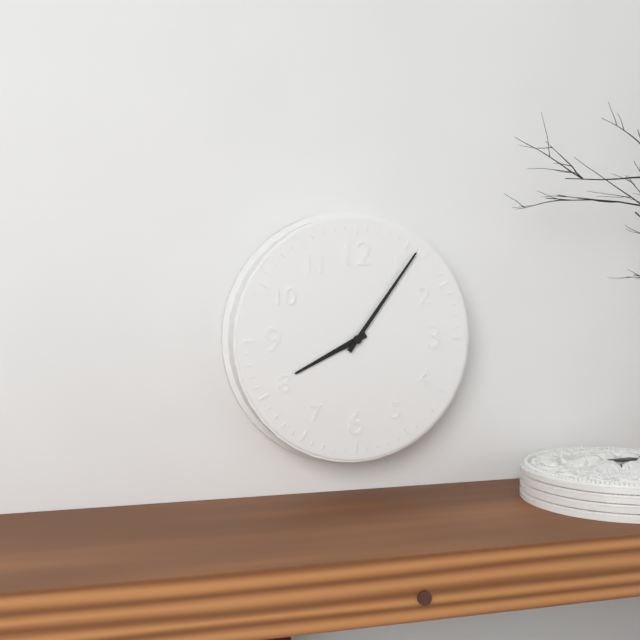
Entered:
8h06
